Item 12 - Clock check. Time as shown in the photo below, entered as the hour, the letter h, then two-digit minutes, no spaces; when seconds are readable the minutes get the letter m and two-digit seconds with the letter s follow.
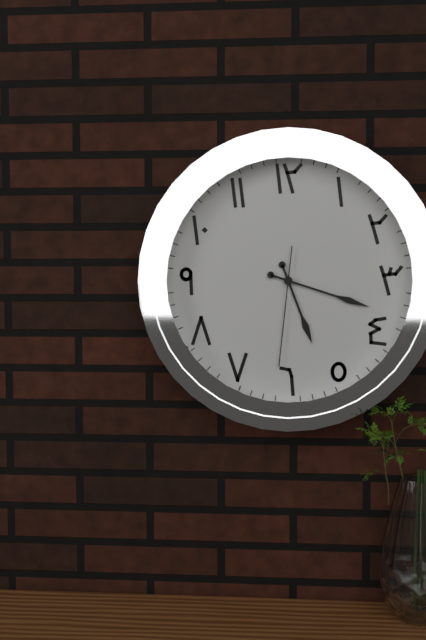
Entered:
5h18m31s
